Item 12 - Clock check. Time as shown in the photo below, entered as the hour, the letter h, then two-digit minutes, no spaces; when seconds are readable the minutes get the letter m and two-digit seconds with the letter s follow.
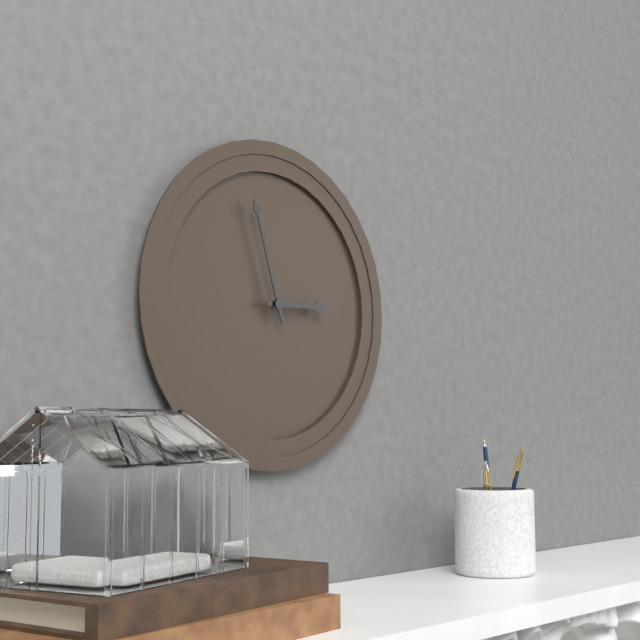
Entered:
2h57
